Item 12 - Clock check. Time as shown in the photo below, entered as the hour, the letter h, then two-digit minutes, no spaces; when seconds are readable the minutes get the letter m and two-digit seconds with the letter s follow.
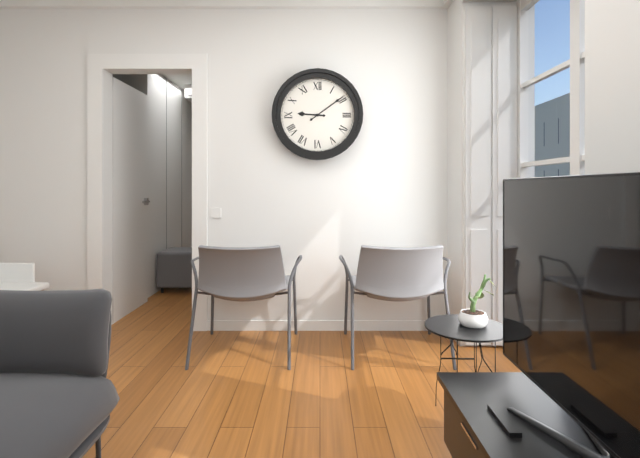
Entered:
9h09
